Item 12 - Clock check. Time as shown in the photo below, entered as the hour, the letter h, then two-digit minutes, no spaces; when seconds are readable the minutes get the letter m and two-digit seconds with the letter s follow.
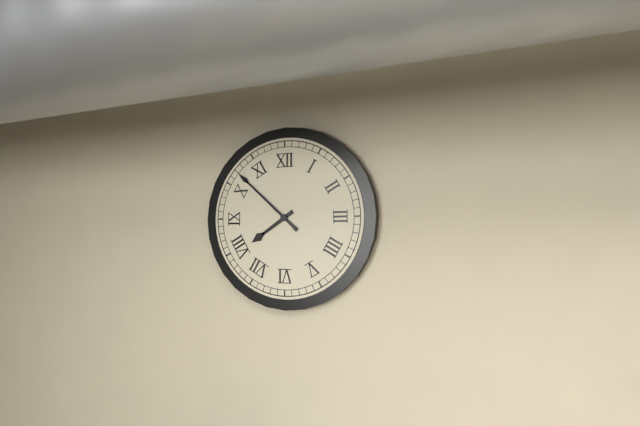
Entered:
7h52
